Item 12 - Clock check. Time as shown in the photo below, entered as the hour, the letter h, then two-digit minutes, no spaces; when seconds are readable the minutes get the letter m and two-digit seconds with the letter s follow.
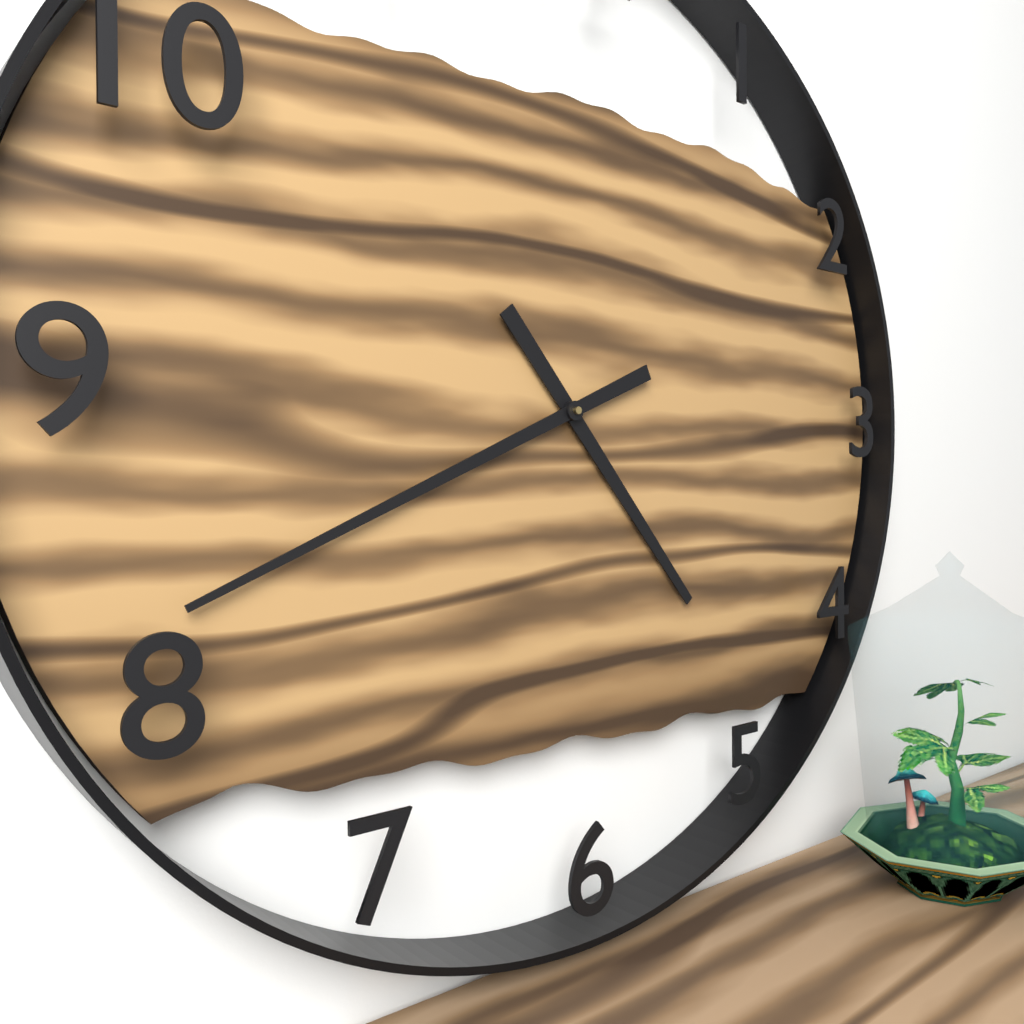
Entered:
4h41
